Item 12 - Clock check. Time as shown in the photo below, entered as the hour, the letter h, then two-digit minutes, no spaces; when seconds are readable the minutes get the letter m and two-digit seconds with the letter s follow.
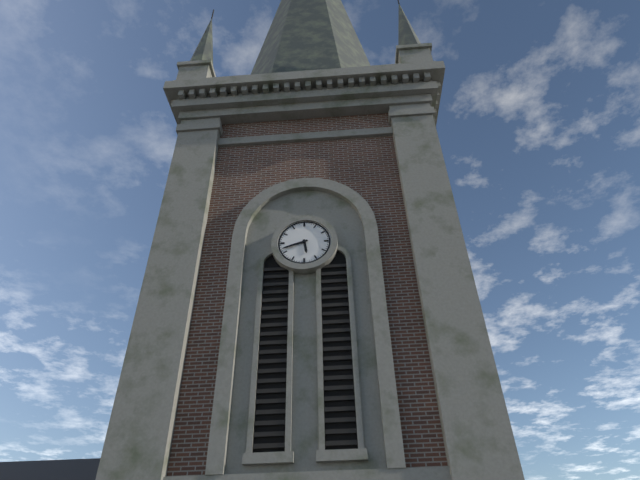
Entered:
5h42
